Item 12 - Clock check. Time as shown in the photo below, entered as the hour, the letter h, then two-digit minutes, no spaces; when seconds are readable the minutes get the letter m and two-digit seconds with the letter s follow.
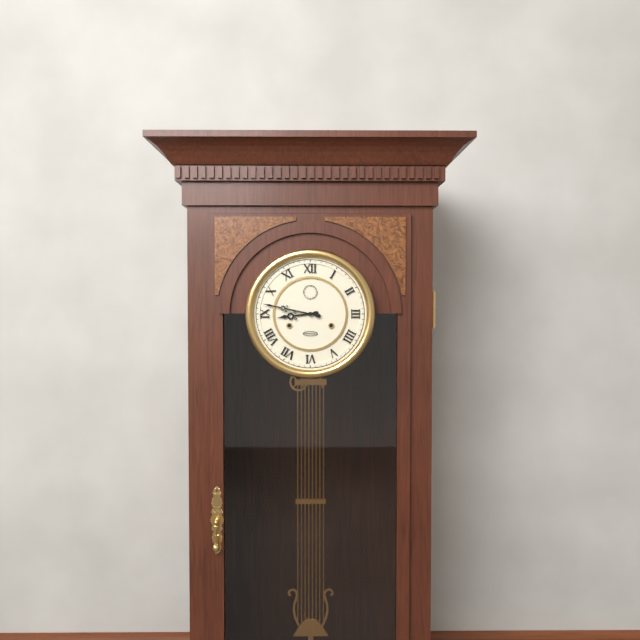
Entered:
8h47
